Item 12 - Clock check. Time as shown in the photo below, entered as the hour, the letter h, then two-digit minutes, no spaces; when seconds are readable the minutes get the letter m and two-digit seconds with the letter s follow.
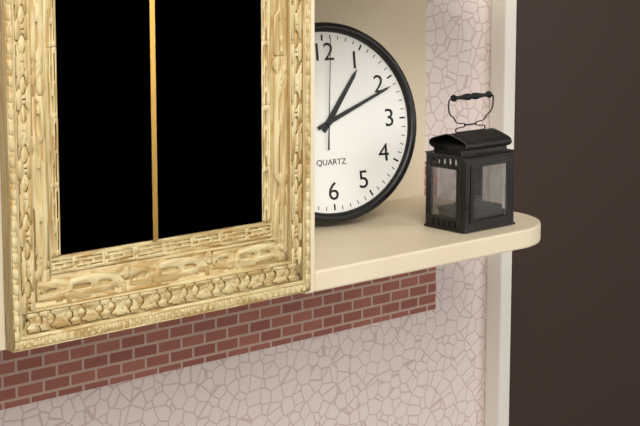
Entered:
1h11m01s
